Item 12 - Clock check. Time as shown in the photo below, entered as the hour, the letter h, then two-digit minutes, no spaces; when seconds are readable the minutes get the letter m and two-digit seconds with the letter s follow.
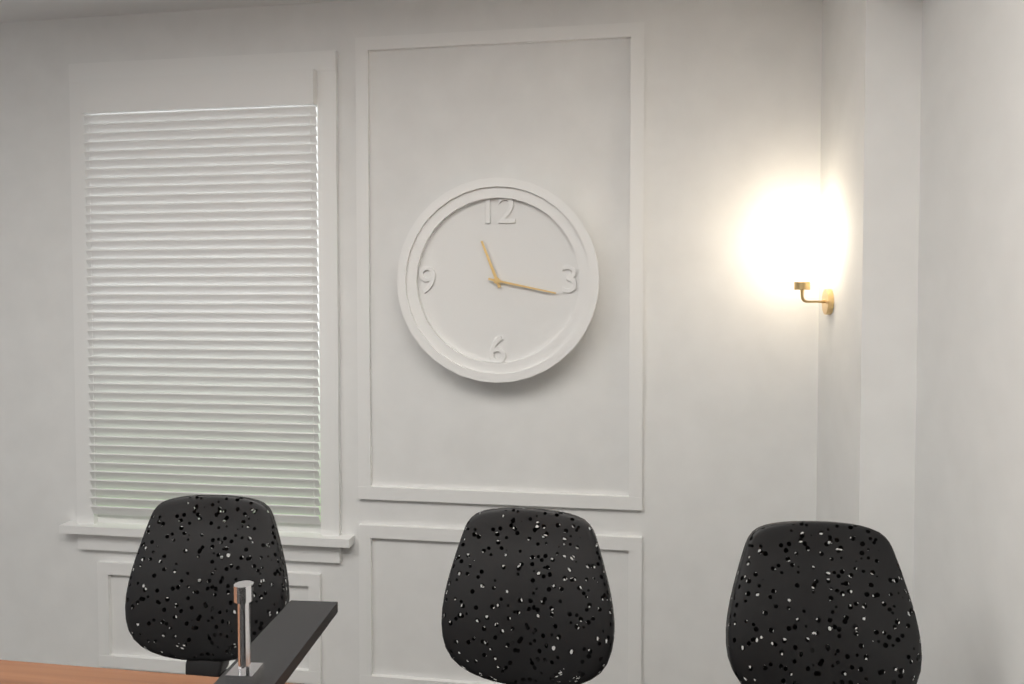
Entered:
11h17
